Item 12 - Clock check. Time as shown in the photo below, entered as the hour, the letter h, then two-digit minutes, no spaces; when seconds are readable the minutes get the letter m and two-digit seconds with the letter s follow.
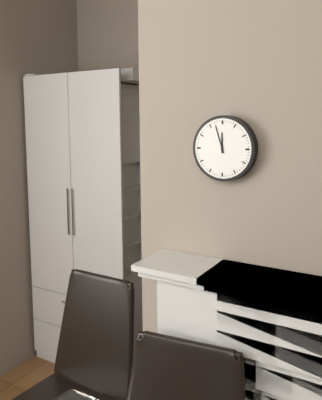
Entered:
11h57
